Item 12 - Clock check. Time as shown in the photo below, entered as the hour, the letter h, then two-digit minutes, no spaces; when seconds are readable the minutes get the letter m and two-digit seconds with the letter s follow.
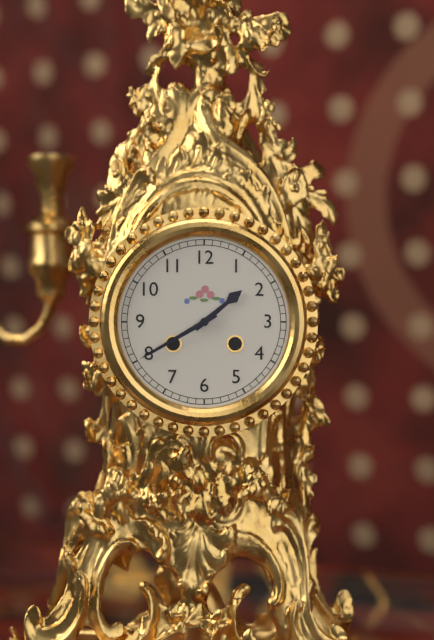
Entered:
1h40
